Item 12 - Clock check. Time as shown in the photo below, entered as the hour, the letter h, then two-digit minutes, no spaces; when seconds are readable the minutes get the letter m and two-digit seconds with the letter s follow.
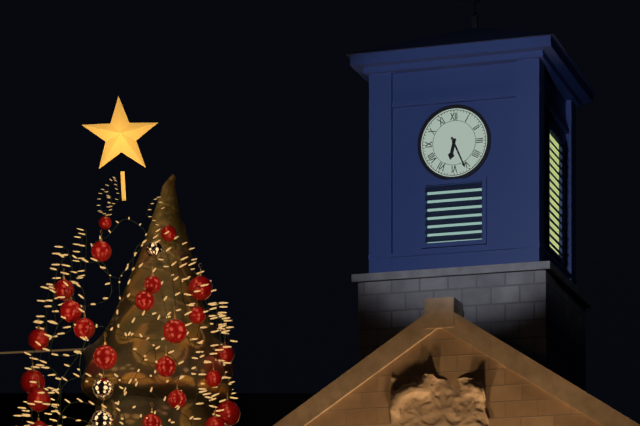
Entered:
6h26
